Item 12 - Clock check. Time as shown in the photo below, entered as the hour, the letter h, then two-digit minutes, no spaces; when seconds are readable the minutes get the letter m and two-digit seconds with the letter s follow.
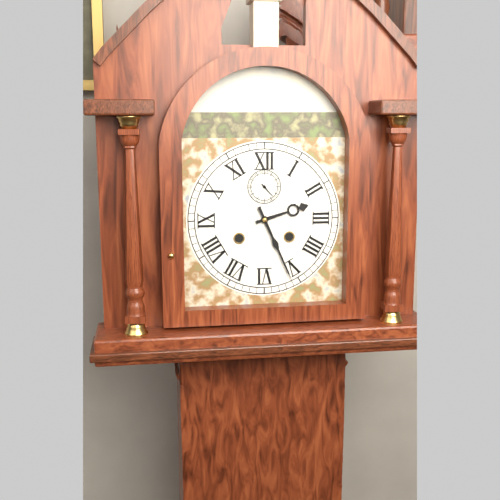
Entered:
2h26
